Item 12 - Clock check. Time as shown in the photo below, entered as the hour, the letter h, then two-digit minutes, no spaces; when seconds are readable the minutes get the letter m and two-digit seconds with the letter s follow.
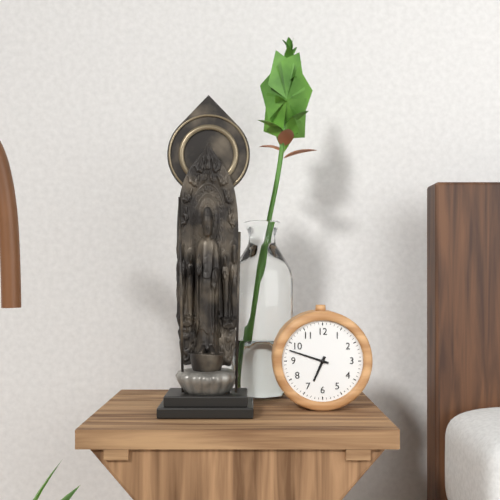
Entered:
6h48
